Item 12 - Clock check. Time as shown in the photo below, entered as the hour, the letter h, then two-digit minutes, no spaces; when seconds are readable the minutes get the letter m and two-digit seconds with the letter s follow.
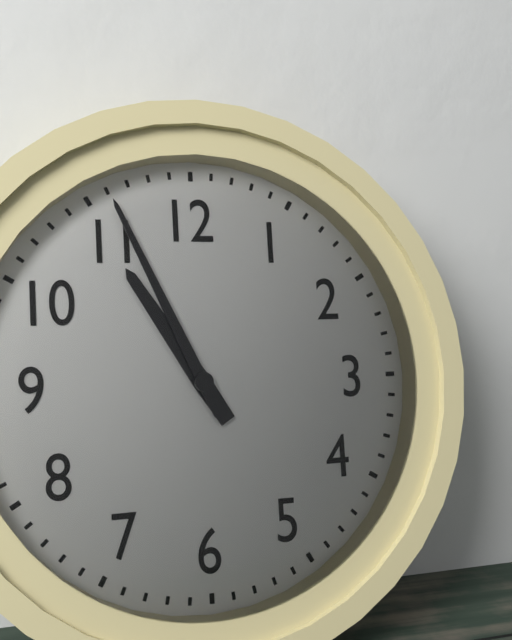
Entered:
10h56
